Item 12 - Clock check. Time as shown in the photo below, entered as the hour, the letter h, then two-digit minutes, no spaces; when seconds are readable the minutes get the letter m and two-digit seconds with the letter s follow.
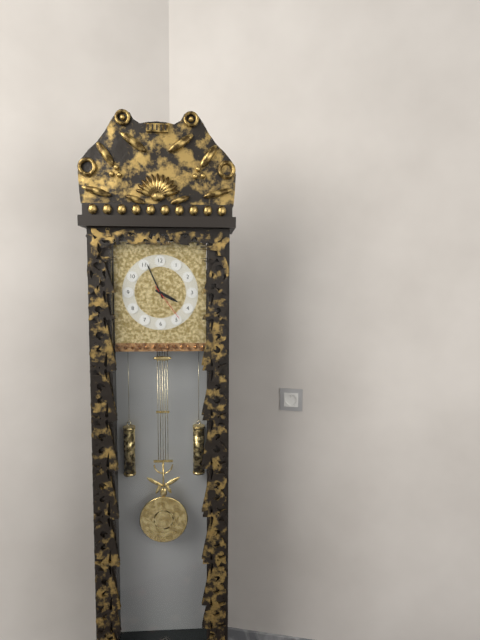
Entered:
3h56
